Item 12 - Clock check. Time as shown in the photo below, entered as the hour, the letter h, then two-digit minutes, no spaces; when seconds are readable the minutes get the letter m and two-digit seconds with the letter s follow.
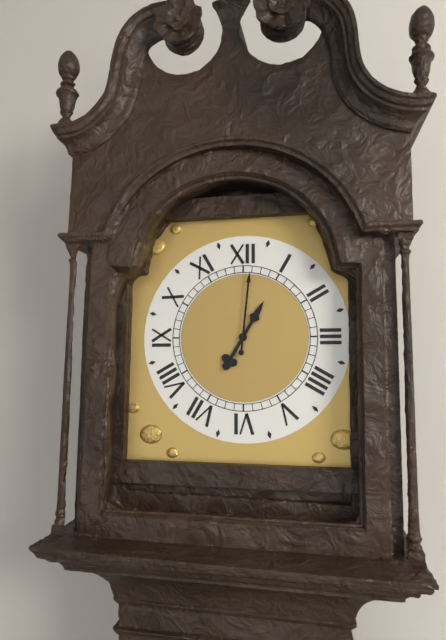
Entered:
1h01
